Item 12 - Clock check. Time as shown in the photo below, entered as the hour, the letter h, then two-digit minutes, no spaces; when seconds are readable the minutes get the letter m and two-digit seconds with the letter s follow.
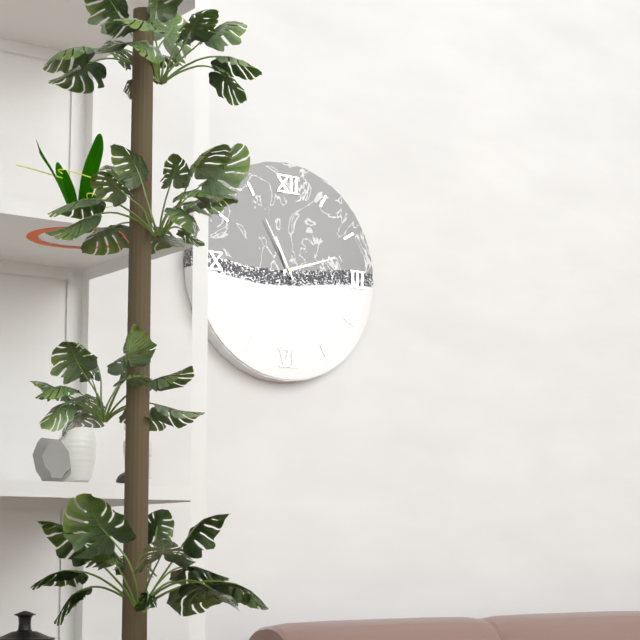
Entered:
11h12m55s
